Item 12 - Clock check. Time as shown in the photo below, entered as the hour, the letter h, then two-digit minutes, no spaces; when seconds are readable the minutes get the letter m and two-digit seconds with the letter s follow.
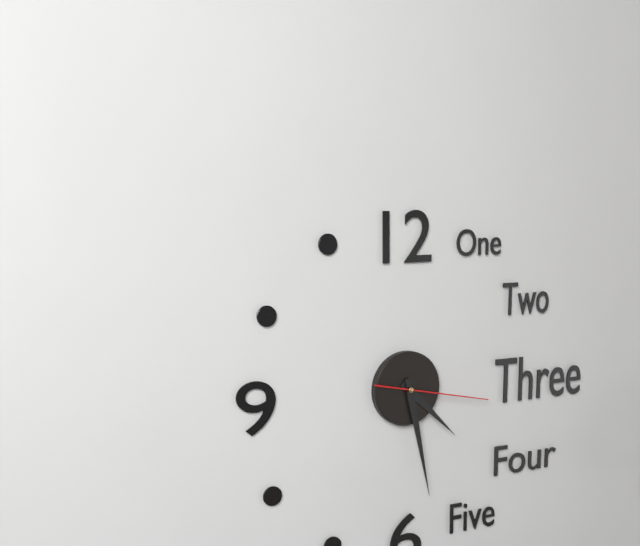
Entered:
4h28m17s
